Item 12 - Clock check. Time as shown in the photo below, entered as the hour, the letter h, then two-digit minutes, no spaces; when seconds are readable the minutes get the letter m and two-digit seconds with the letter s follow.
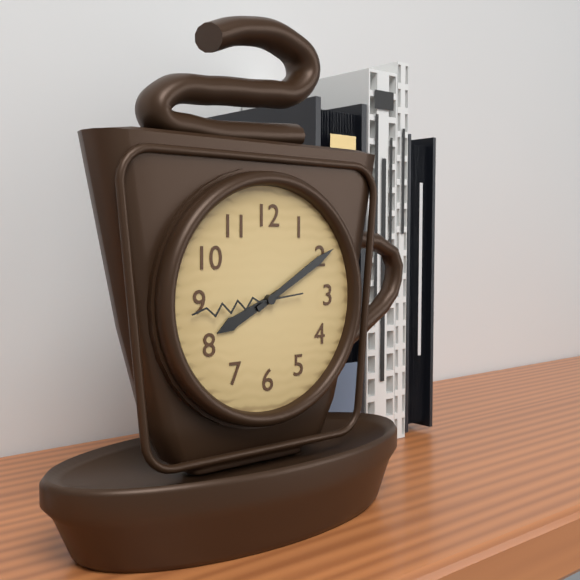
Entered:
8h10m44s
